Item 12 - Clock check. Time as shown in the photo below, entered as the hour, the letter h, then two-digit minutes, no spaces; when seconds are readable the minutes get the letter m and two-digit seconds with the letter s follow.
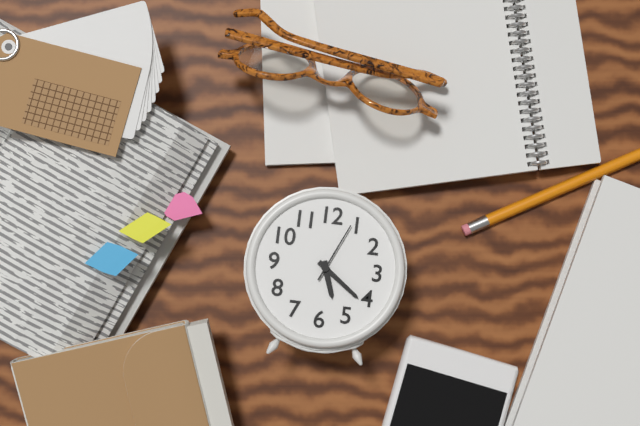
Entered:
5h21m04s
